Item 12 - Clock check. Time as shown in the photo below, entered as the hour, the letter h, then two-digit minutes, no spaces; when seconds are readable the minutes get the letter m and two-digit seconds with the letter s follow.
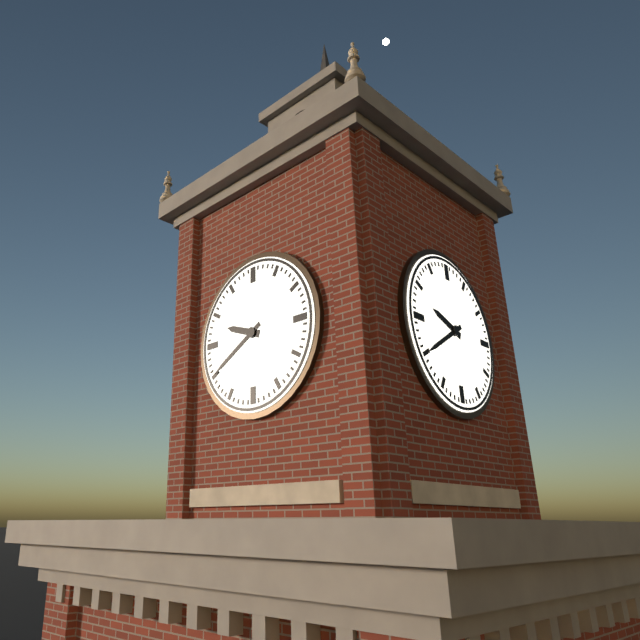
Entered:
9h40
